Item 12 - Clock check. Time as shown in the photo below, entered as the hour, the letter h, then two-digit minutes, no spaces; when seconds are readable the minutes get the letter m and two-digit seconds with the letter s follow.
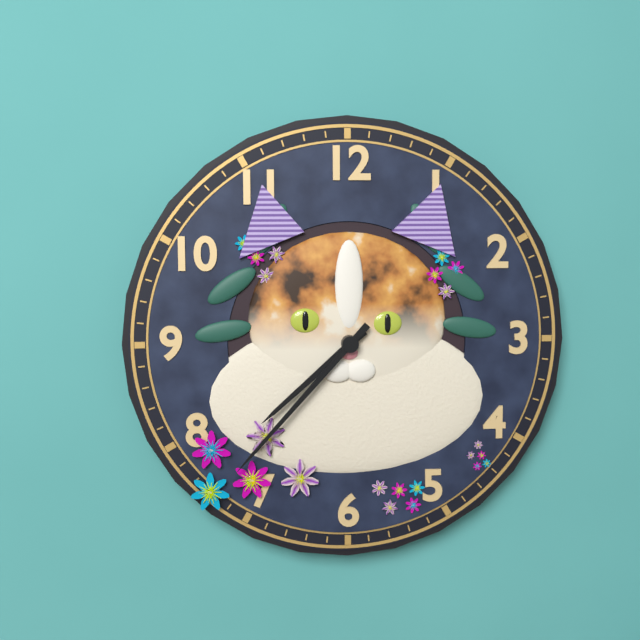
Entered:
7h37
